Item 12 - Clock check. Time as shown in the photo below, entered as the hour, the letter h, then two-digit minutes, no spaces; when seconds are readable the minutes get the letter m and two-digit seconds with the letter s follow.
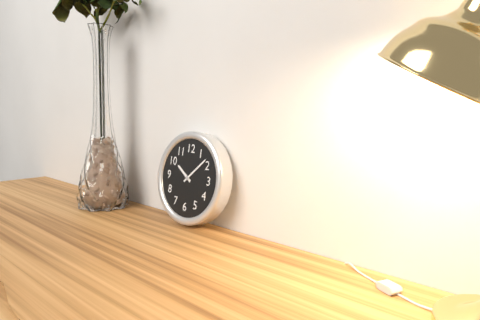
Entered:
10h08
